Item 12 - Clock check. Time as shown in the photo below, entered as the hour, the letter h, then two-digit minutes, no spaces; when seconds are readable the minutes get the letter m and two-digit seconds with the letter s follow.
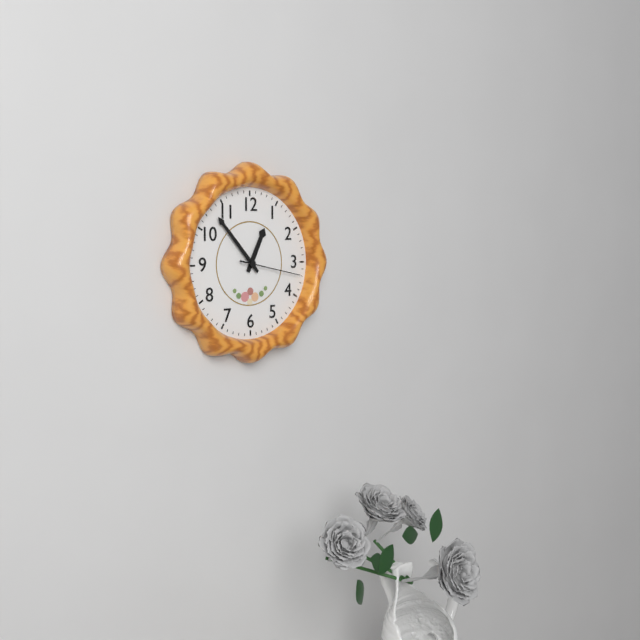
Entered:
12h53m17s
